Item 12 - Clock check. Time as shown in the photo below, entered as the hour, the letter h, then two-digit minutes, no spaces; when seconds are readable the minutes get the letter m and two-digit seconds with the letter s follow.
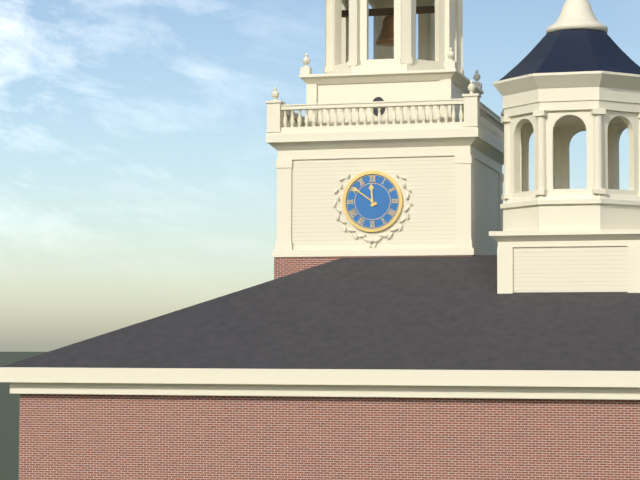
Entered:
11h51
